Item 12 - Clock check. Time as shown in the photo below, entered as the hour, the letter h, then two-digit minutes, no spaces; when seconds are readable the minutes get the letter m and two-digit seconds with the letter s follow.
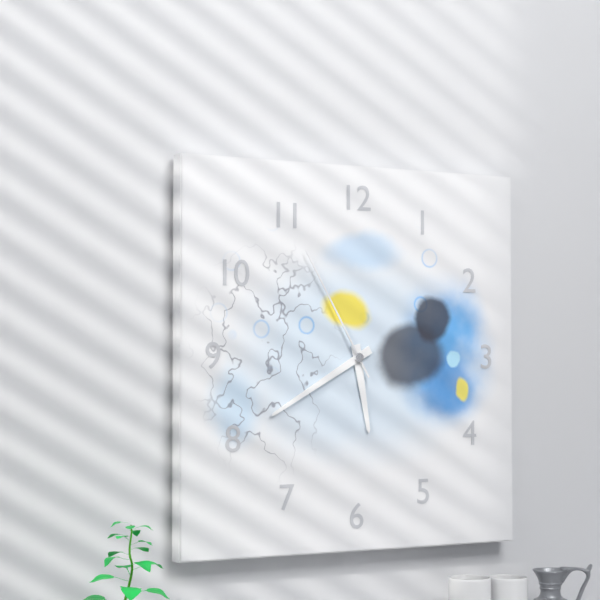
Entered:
5h40m55s
